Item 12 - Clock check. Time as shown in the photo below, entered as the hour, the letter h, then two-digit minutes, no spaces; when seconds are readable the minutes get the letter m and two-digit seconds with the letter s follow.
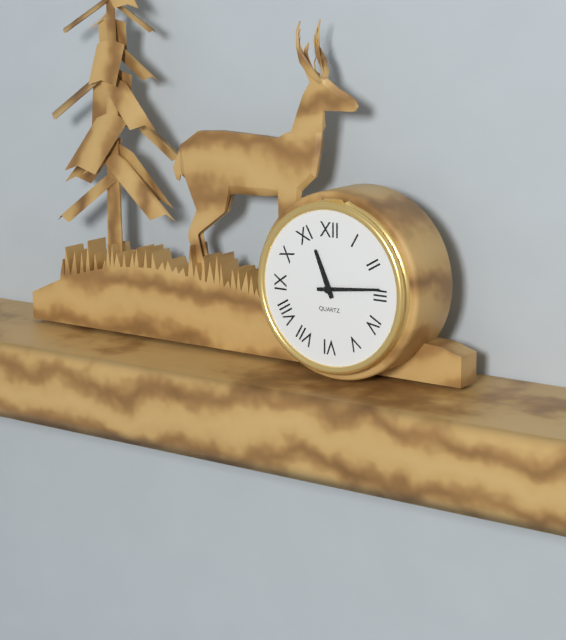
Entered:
11h14
